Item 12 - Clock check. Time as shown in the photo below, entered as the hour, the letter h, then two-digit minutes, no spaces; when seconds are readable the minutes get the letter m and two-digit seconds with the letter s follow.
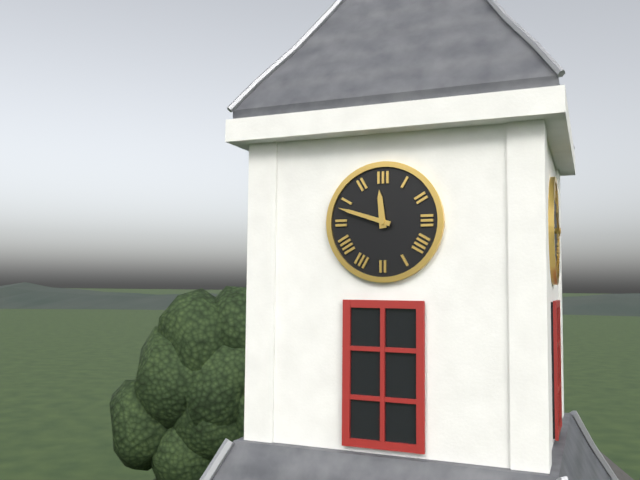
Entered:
11h48
